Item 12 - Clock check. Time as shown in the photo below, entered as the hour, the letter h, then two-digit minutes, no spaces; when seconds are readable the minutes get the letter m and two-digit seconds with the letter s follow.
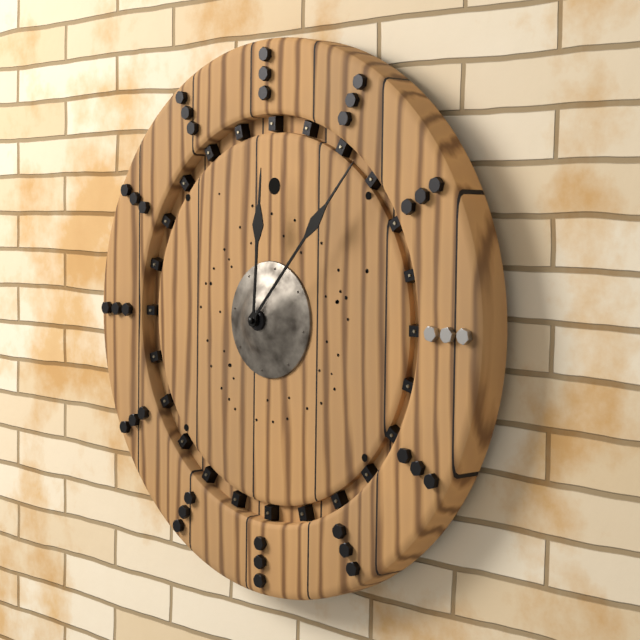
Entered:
12h07
